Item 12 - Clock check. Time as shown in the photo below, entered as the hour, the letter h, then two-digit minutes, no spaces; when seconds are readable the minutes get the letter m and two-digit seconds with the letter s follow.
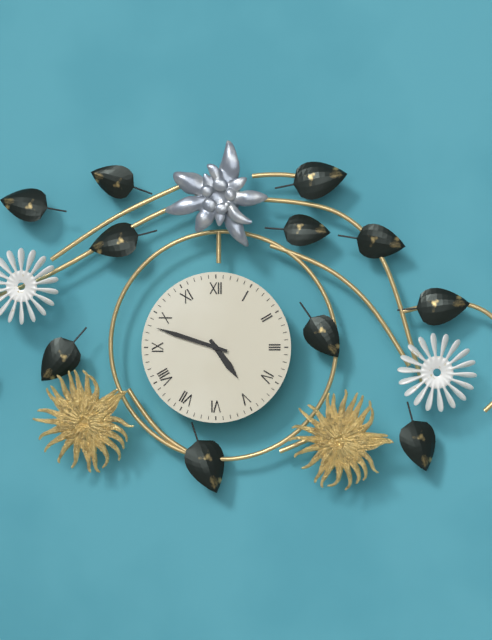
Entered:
4h48
